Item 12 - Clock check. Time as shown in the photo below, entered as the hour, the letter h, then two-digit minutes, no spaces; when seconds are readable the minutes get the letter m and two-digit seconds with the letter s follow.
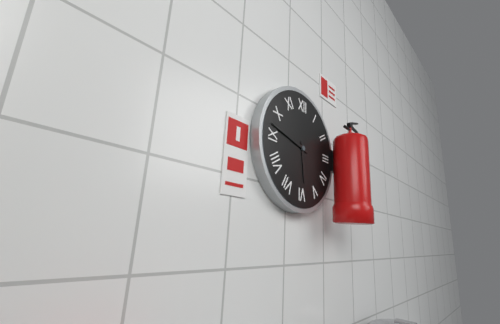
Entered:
5h47
